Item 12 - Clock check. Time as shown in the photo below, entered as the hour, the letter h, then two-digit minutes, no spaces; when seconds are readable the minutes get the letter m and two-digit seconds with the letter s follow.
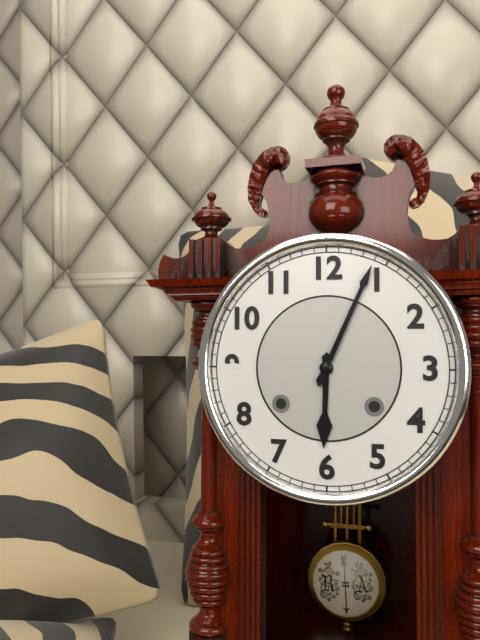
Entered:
6h04
